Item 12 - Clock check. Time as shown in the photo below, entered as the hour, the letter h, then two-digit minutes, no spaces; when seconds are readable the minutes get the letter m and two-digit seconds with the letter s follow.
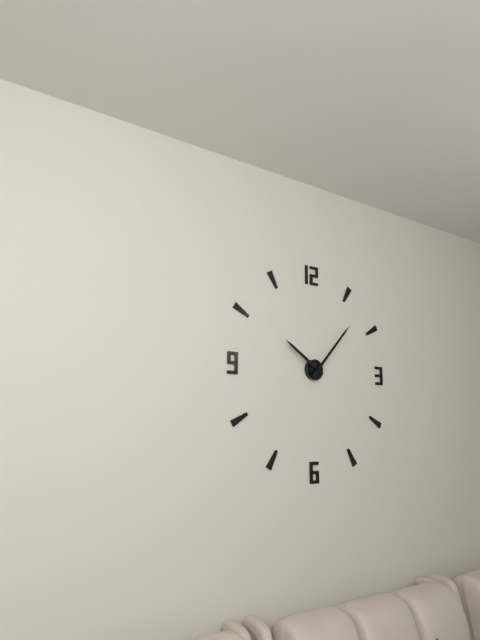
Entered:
10h07
